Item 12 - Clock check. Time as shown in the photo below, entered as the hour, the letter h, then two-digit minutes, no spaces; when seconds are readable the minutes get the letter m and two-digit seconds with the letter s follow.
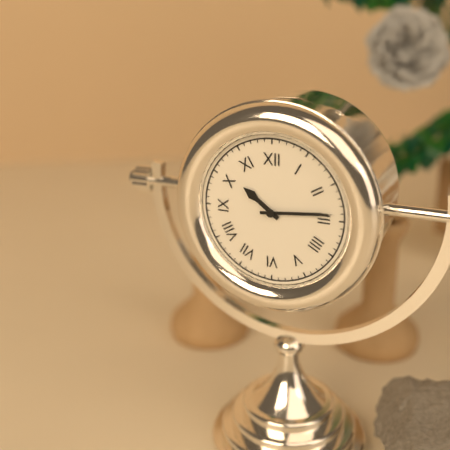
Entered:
10h14
